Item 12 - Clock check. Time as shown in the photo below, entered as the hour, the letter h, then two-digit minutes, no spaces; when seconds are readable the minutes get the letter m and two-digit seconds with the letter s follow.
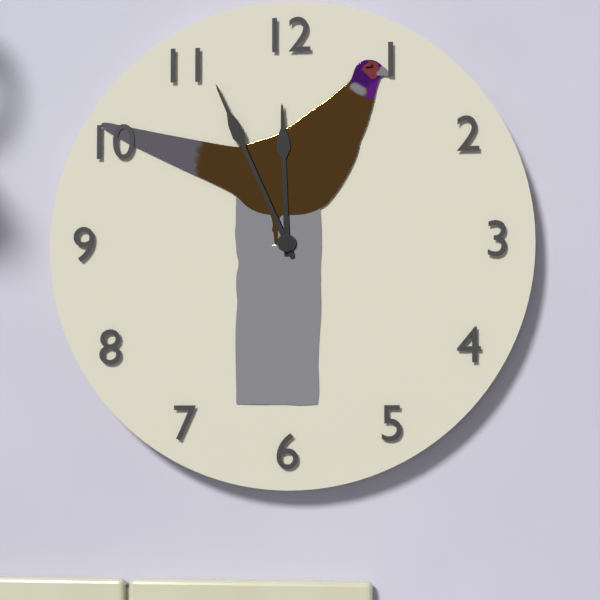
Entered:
11h56
